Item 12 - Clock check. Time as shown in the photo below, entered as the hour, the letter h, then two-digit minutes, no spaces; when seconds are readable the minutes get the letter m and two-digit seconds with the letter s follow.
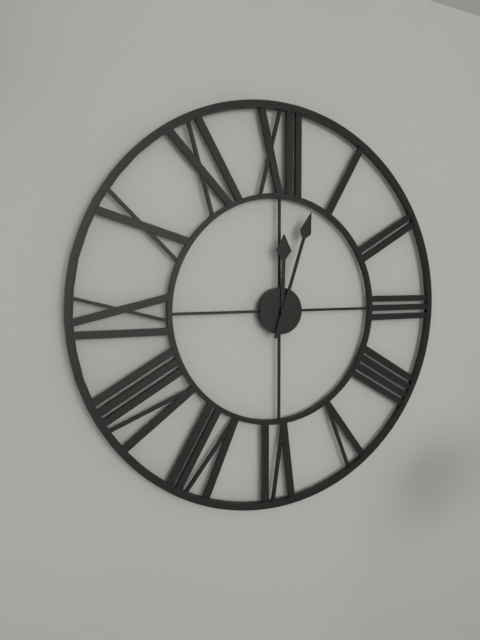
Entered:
12h03
